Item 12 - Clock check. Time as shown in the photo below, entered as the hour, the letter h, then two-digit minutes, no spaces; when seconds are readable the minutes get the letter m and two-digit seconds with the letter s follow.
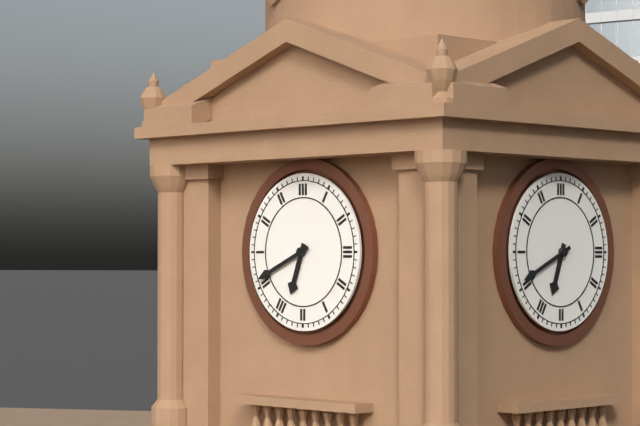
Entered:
6h41
